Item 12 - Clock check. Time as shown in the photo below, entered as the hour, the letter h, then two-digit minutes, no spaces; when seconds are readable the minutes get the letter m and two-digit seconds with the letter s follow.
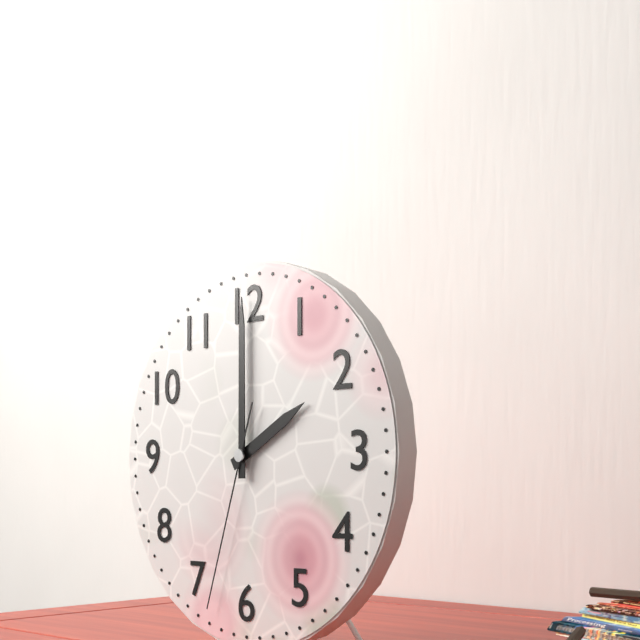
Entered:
2h00m33s
